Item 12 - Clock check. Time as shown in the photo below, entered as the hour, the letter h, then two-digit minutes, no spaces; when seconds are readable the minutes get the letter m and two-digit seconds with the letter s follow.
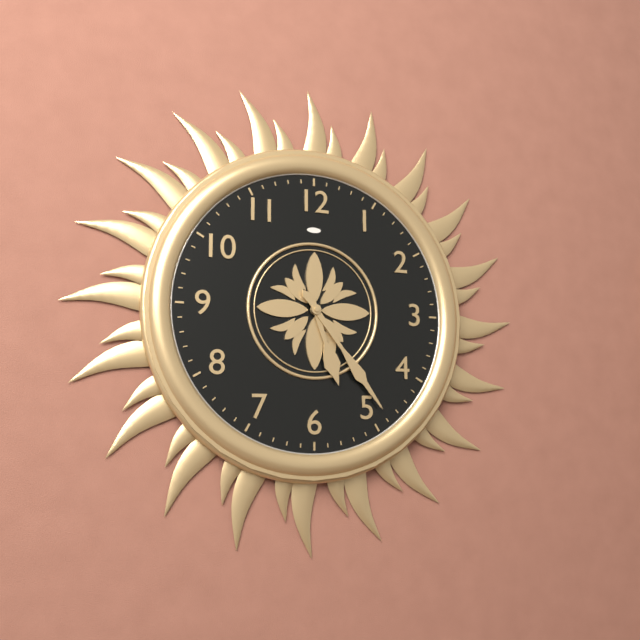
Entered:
5h24
